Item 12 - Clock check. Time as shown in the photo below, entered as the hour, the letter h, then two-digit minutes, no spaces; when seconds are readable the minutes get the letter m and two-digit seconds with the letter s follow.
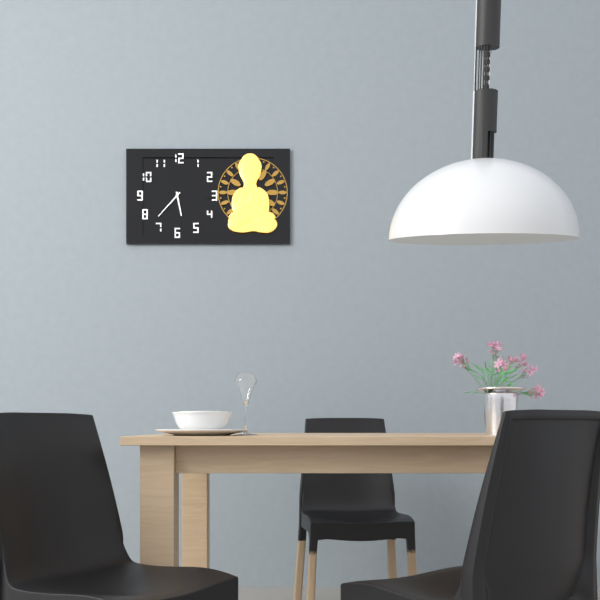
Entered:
5h37
